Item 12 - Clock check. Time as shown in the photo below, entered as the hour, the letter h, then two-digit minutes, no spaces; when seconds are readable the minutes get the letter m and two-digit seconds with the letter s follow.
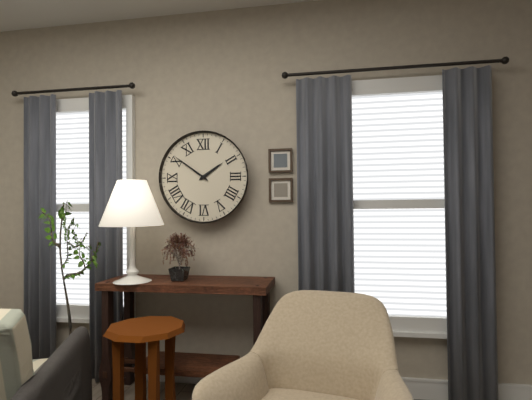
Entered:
1h51
